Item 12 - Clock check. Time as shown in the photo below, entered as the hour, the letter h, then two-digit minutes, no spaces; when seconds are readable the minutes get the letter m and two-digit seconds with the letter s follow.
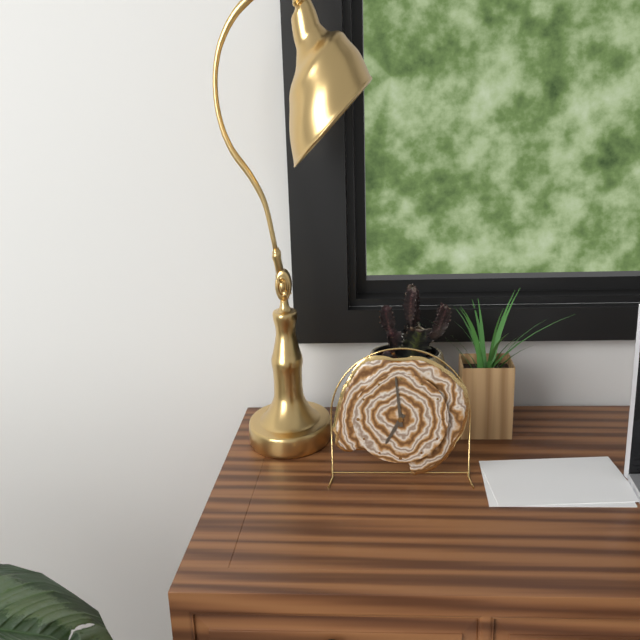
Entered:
6h59
